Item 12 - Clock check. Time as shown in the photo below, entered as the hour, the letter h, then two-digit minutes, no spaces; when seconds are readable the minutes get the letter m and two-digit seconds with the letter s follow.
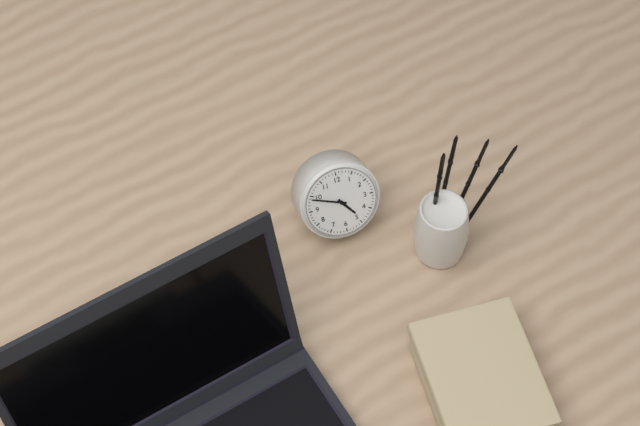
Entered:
4h49
